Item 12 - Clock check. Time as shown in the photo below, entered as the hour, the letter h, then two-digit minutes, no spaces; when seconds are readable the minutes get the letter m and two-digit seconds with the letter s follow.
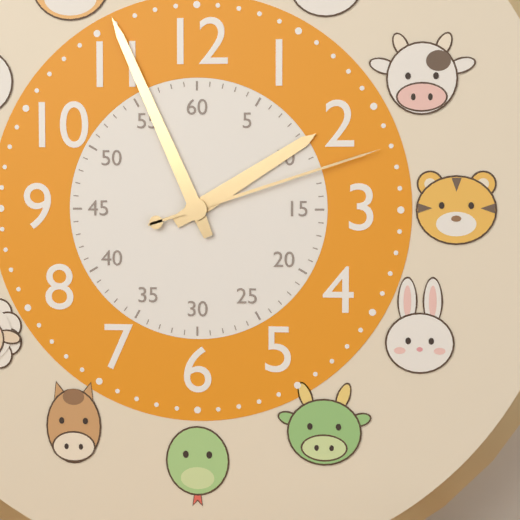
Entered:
1h56m12s
